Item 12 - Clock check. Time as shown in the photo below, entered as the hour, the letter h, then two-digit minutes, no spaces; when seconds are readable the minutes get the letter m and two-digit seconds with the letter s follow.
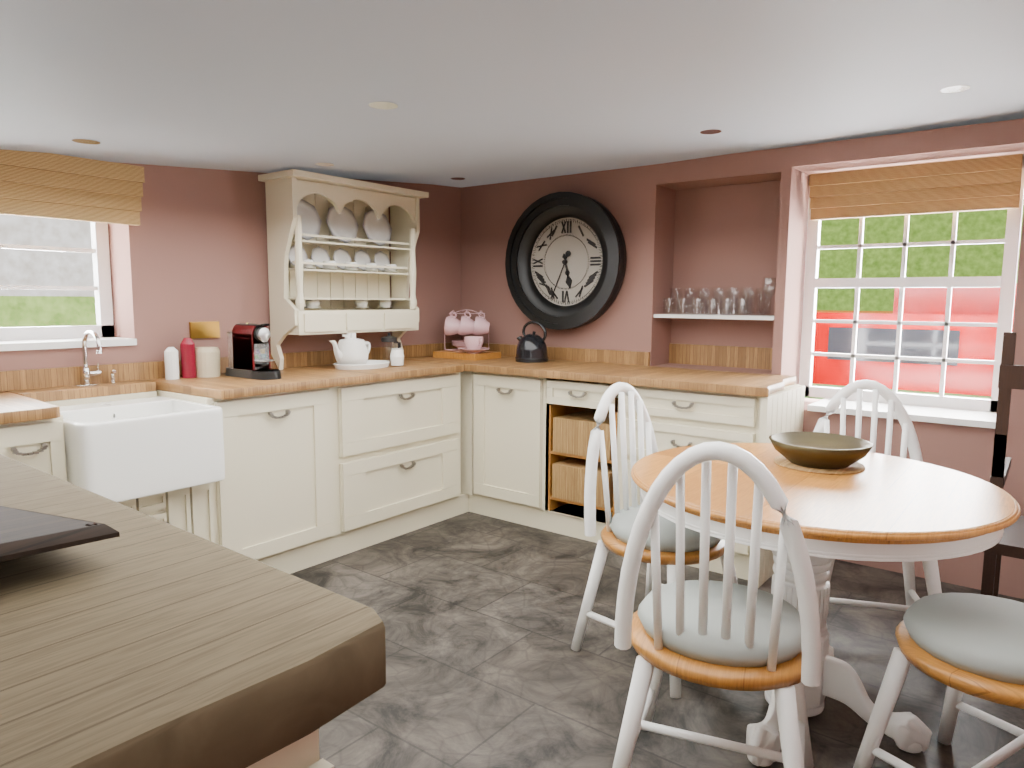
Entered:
5h34
